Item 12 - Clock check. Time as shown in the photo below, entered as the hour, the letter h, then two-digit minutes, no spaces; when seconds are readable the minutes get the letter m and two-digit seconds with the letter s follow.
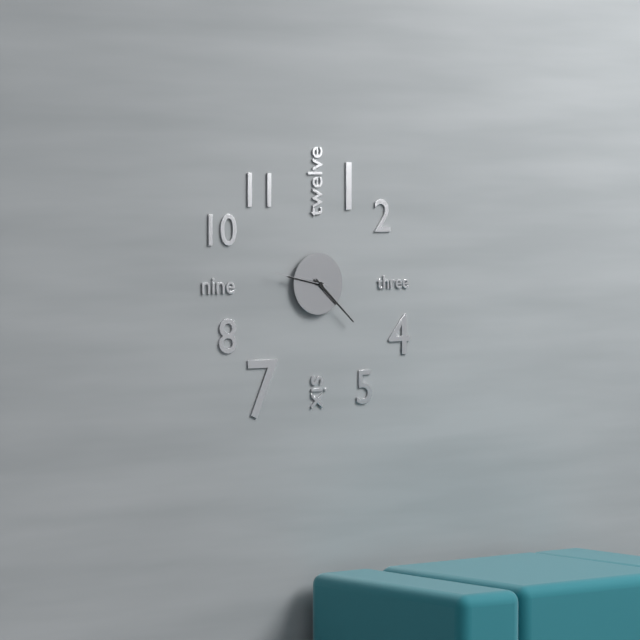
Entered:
9h22m47s
